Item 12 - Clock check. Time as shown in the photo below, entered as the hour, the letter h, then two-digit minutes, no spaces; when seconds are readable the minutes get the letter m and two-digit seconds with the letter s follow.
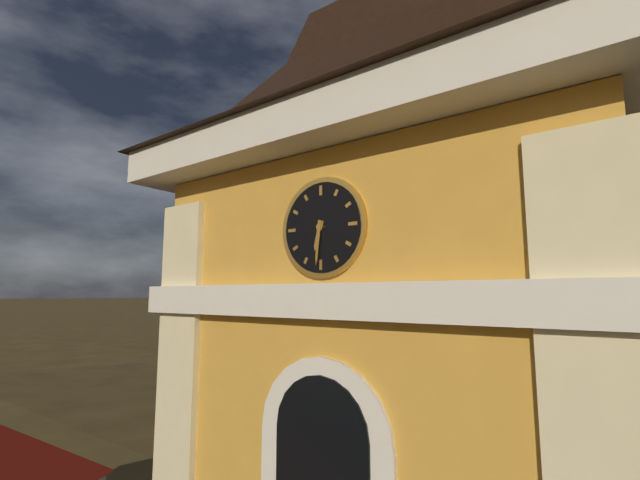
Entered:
6h31
